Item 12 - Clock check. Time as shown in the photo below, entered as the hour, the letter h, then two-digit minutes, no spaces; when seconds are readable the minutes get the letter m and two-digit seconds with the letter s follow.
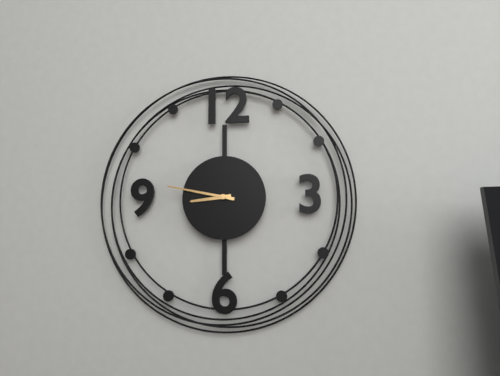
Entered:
8h47
